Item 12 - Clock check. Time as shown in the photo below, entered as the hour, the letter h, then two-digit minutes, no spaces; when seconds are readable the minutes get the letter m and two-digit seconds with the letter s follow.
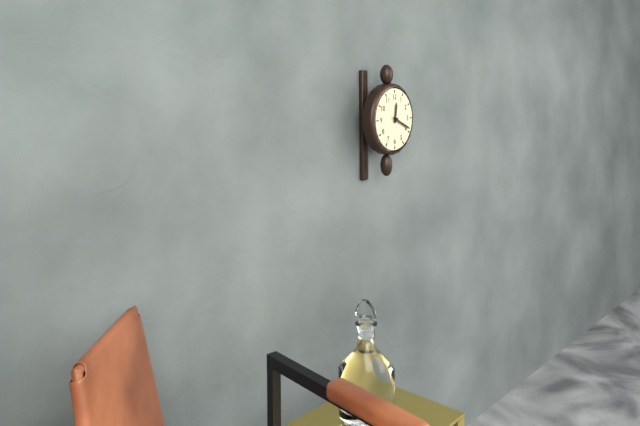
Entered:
12h19
